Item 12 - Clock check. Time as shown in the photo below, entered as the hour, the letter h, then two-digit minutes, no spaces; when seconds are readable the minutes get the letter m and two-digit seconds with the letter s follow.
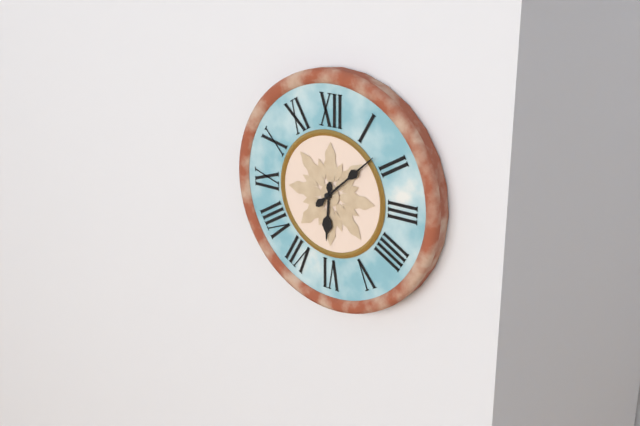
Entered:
6h08
